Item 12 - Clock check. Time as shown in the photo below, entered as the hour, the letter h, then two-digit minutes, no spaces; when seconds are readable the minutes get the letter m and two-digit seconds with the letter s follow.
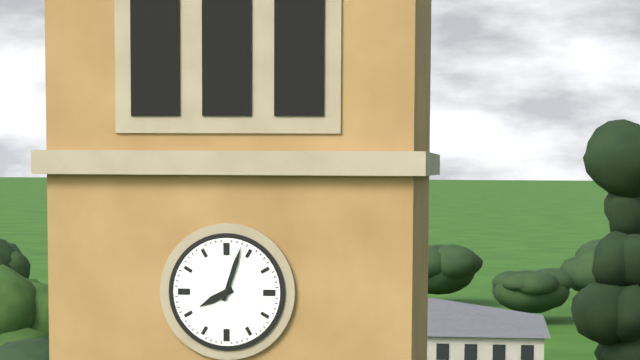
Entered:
8h03
